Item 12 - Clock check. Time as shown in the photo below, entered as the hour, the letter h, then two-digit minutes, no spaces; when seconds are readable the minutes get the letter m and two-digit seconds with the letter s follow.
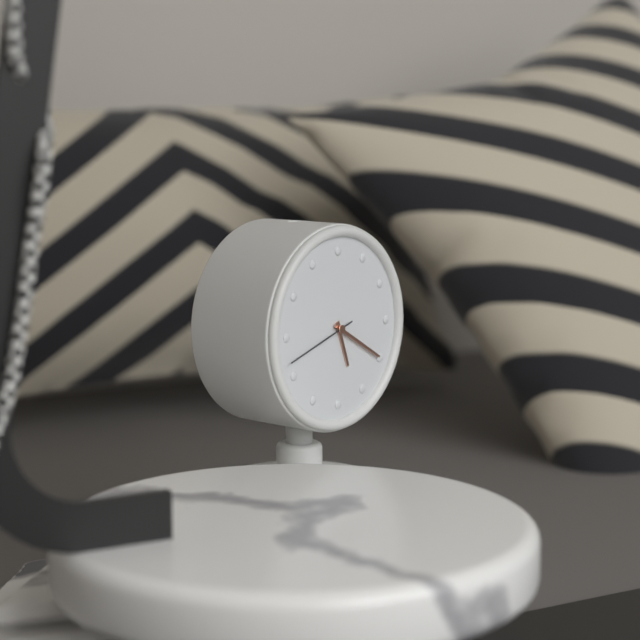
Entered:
5h20m42s
